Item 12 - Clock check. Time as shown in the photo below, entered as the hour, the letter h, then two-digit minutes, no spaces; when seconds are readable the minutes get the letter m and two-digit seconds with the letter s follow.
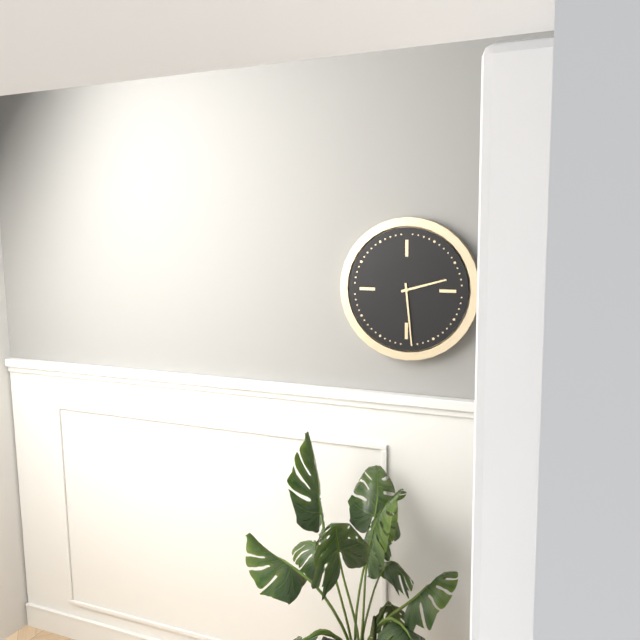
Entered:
2h29
